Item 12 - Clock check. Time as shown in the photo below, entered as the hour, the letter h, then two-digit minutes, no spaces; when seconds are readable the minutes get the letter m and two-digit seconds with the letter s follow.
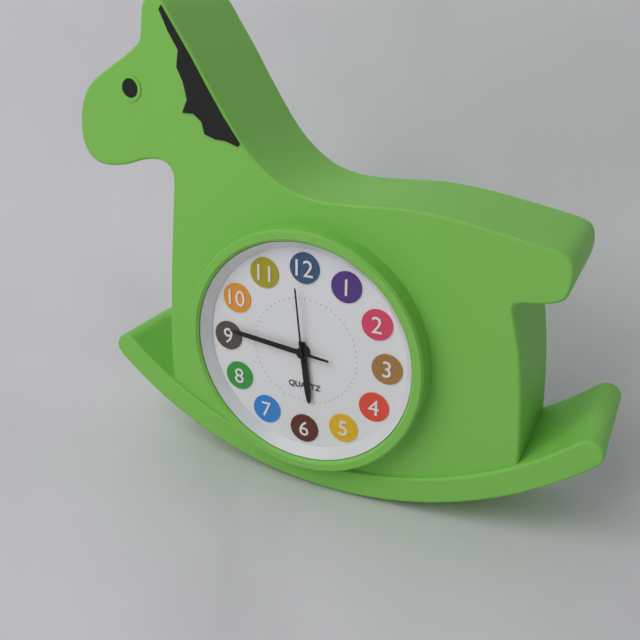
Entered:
5h46m59s
